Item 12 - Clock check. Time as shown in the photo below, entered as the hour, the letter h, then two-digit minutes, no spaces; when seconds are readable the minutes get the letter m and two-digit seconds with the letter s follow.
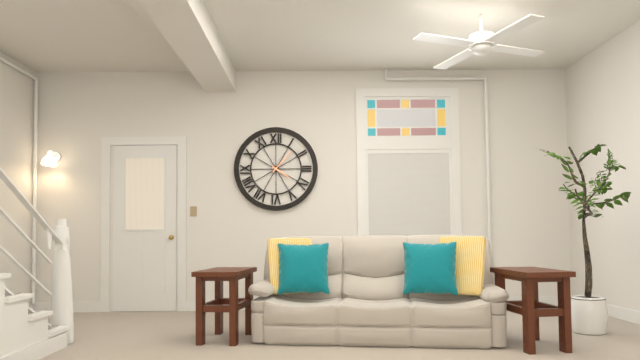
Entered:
4h07
